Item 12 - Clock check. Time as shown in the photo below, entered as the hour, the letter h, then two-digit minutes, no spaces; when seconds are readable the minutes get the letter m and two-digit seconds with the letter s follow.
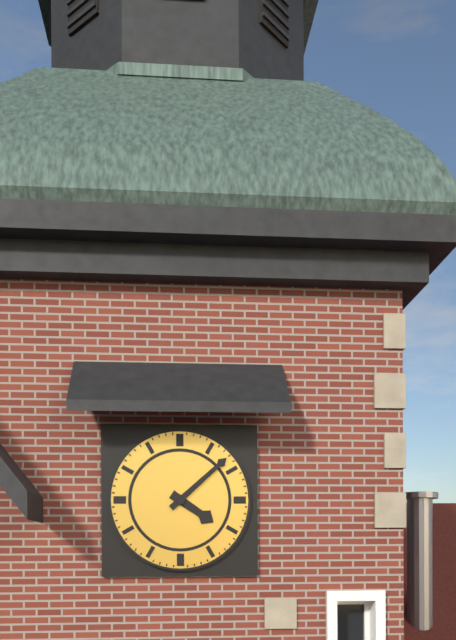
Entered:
4h08
